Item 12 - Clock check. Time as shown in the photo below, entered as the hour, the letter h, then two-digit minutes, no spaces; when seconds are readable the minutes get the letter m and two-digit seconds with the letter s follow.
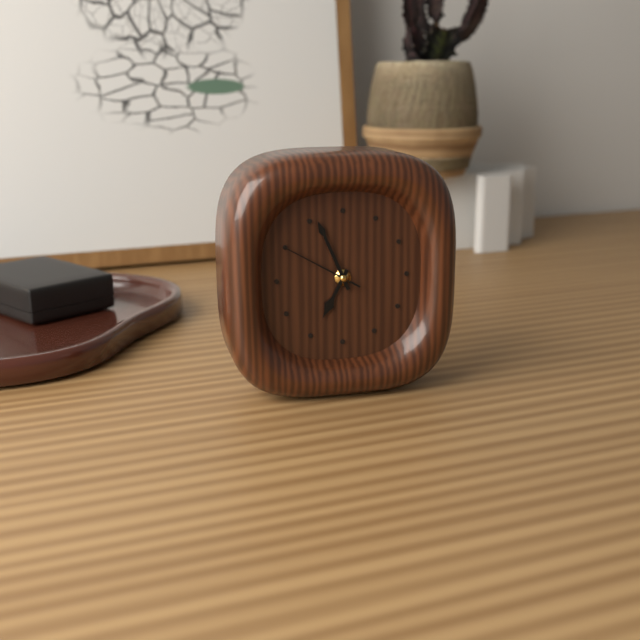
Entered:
6h56m50s
